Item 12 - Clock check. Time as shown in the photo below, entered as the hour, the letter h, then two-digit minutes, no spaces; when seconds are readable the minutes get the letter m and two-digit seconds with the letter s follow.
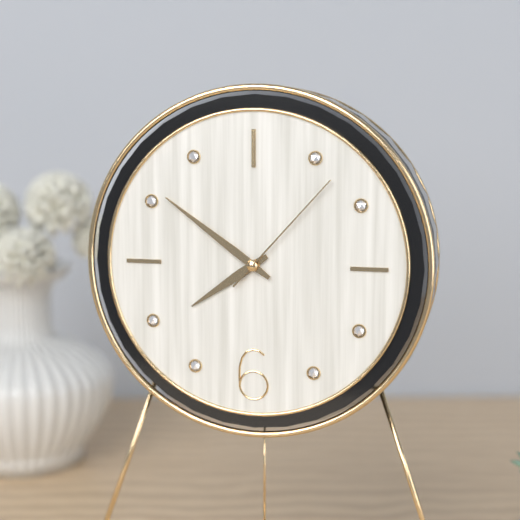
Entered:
7h51m07s
